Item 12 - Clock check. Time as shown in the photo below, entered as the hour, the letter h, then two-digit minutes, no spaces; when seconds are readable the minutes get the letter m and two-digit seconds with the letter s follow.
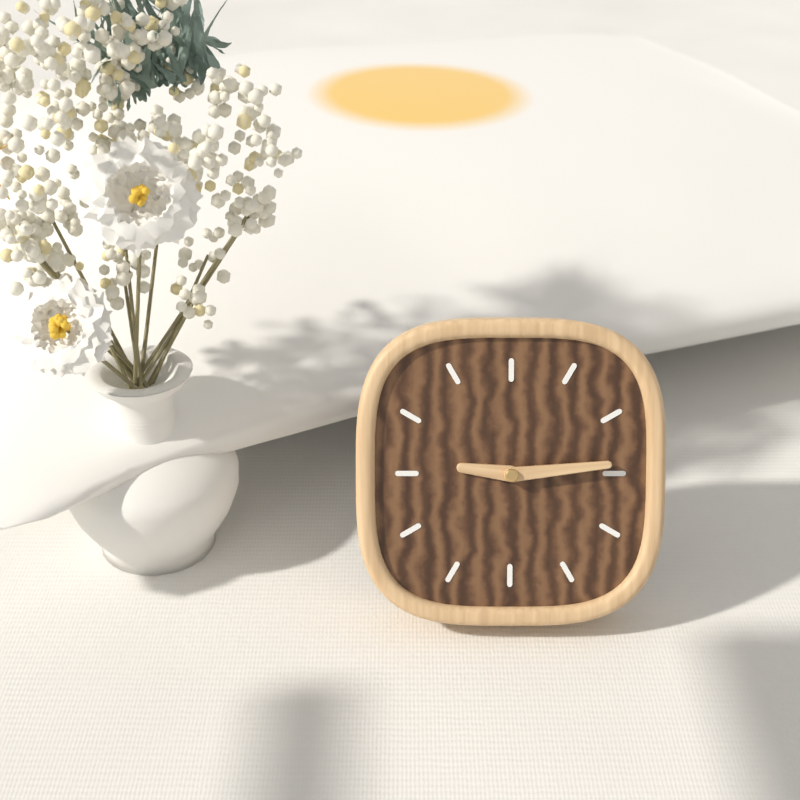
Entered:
9h14
